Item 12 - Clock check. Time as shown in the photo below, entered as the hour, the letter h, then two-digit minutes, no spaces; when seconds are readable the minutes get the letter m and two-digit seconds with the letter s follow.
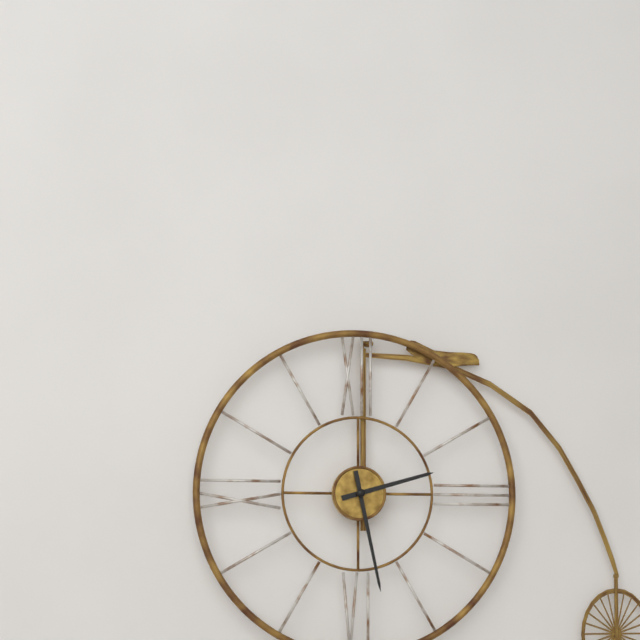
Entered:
2h28
